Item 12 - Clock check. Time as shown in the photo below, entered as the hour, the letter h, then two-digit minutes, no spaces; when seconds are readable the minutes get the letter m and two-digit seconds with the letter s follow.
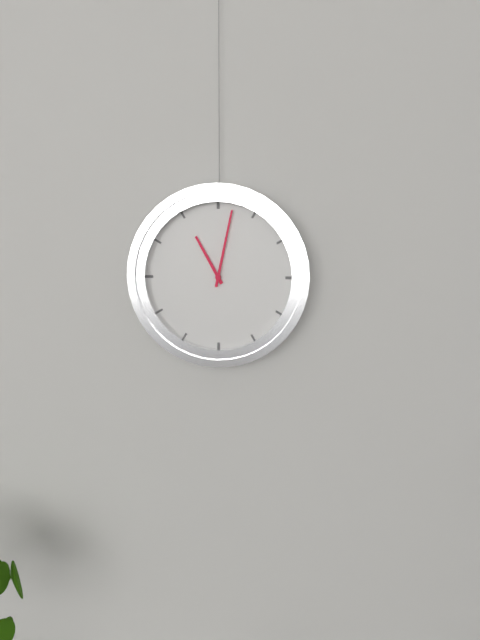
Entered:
11h02
